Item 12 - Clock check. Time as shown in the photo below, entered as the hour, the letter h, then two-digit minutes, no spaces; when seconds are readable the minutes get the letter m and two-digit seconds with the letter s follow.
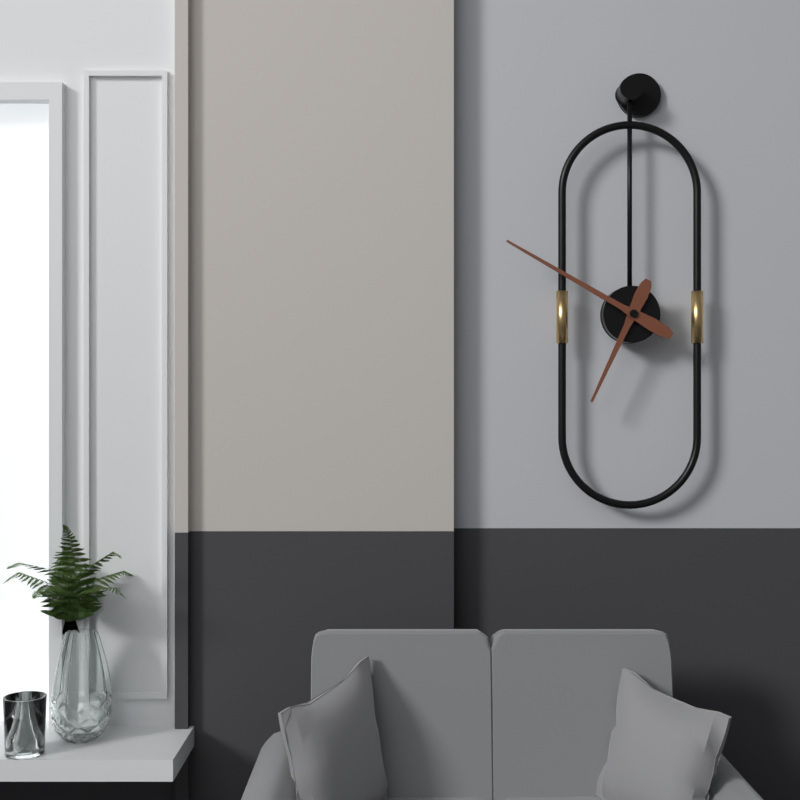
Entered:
6h50
